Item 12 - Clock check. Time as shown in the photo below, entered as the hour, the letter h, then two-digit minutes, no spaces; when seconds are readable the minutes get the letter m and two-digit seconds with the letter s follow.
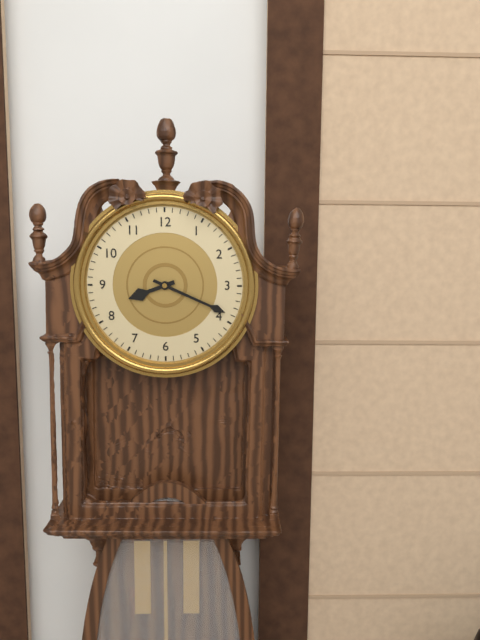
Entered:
8h19
